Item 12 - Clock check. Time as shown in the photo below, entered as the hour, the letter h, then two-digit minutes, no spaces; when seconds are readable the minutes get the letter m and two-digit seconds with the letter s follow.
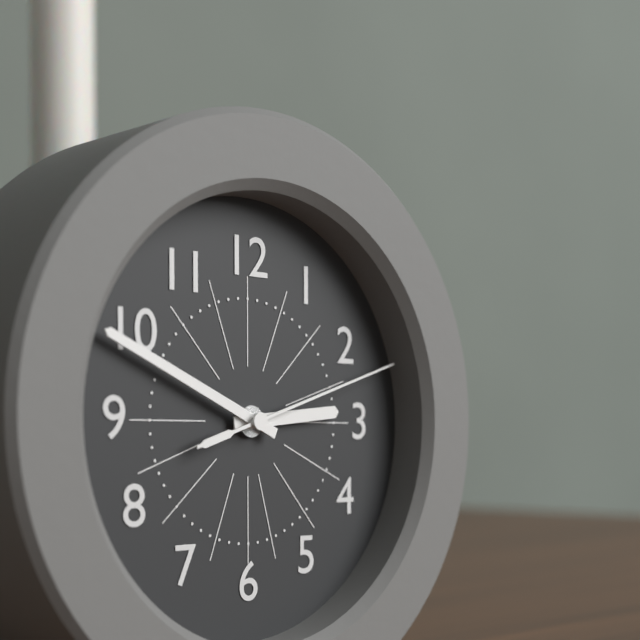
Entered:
2h49m12s
